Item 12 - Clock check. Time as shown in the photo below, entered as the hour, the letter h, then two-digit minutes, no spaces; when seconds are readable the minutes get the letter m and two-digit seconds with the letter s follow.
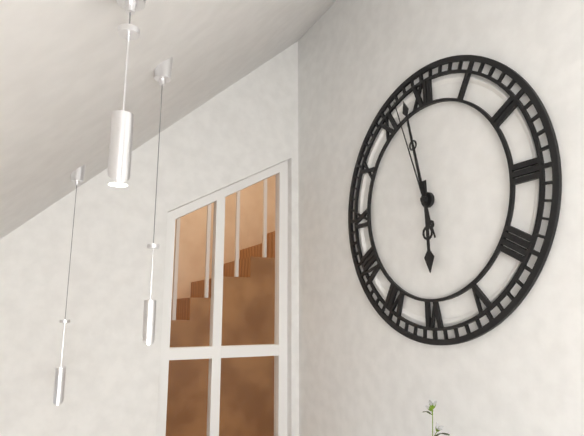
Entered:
5h58m57s
